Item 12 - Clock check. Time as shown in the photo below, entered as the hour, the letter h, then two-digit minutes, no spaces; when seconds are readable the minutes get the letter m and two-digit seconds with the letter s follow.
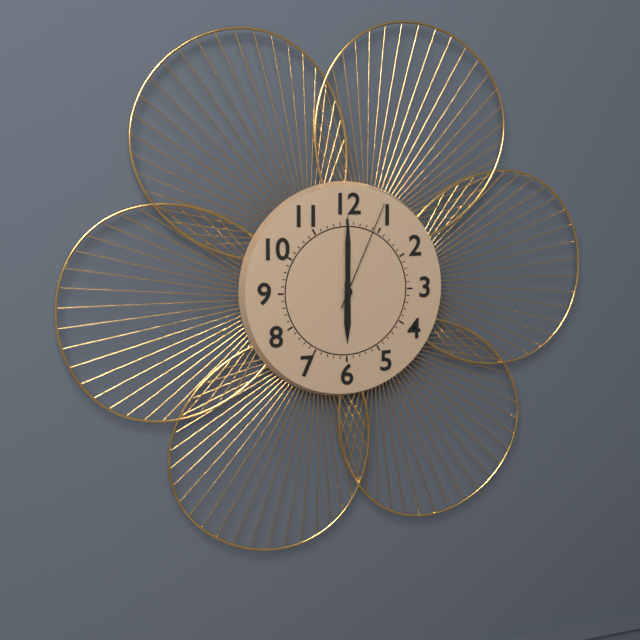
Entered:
6h00m04s
